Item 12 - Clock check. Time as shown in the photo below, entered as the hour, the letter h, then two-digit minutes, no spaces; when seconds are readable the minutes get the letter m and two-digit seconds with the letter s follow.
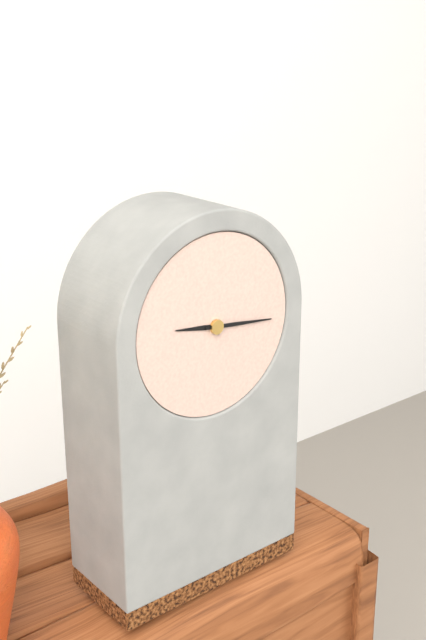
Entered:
9h16
